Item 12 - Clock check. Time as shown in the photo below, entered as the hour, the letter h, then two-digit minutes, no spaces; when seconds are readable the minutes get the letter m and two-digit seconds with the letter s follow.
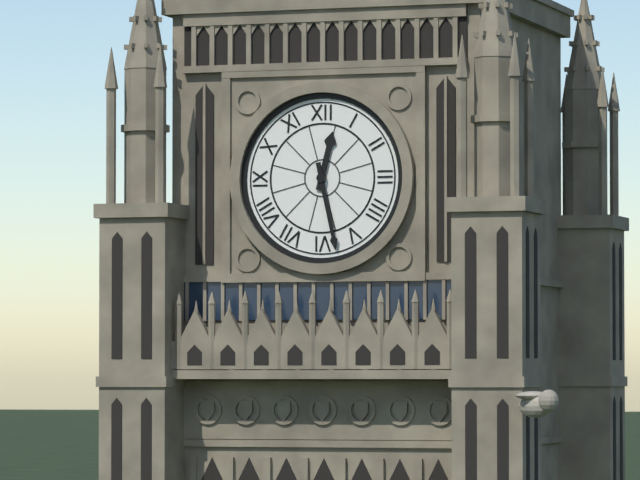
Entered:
12h28
